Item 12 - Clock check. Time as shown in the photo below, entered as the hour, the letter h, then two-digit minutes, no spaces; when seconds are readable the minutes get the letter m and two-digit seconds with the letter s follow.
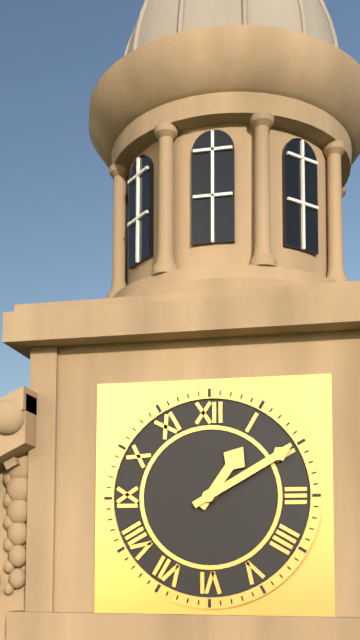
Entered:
1h10
